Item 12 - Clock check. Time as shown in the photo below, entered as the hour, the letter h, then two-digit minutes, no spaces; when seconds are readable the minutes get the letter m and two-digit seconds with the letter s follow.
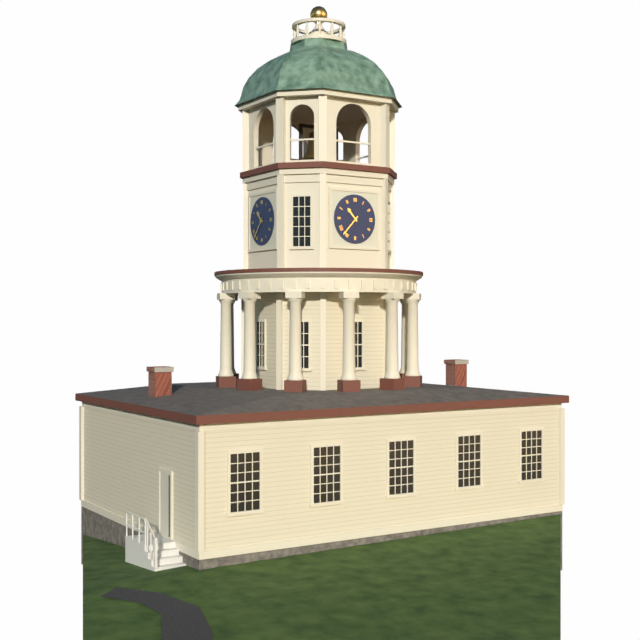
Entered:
10h37
